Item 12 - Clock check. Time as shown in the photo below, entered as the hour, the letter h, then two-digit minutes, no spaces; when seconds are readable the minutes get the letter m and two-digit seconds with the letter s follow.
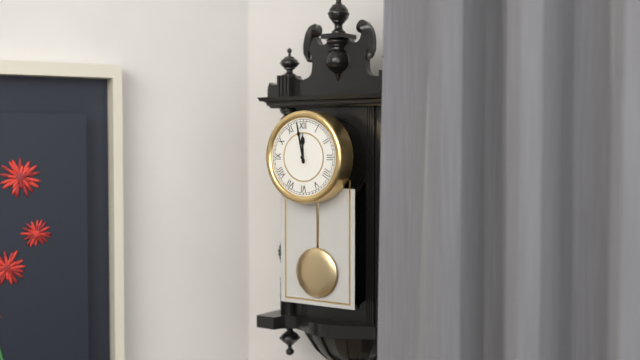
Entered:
11h58
